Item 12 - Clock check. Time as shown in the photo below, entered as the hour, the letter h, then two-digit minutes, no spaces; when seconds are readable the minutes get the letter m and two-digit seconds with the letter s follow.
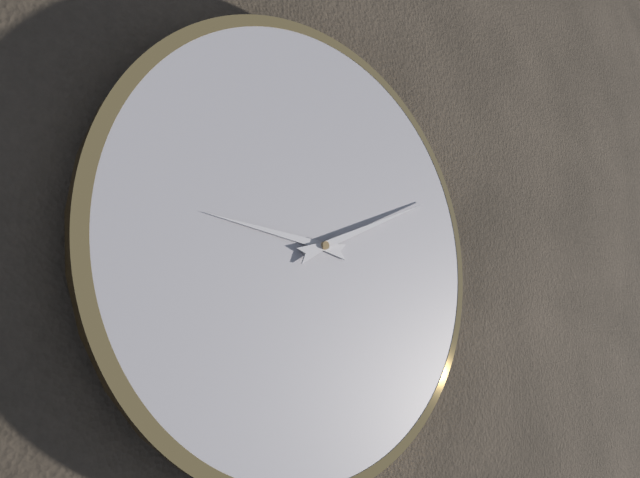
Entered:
9h11
